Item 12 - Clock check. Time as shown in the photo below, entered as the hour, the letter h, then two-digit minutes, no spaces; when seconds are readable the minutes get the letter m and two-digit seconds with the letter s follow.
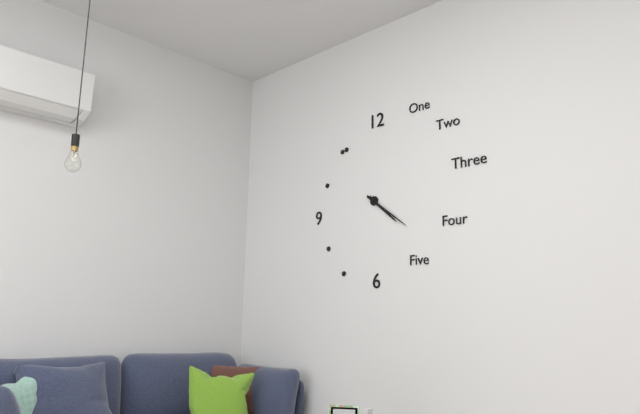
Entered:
4h21
